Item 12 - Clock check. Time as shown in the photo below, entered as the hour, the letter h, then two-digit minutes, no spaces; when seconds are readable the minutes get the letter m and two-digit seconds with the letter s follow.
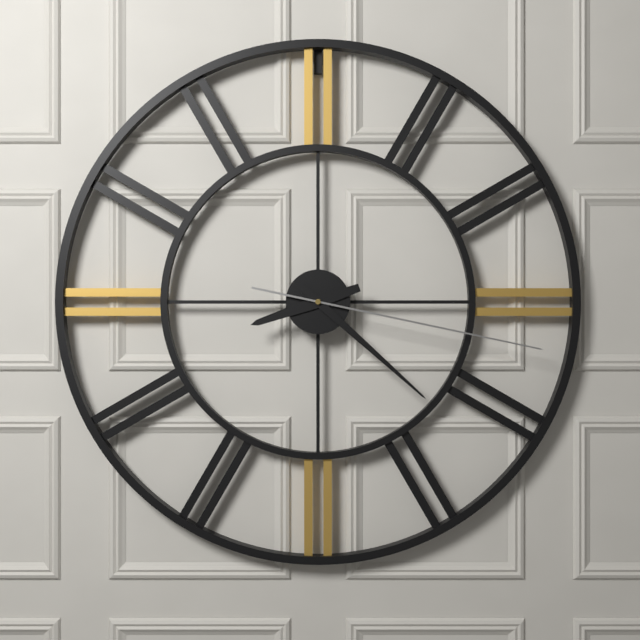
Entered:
8h22m17s
